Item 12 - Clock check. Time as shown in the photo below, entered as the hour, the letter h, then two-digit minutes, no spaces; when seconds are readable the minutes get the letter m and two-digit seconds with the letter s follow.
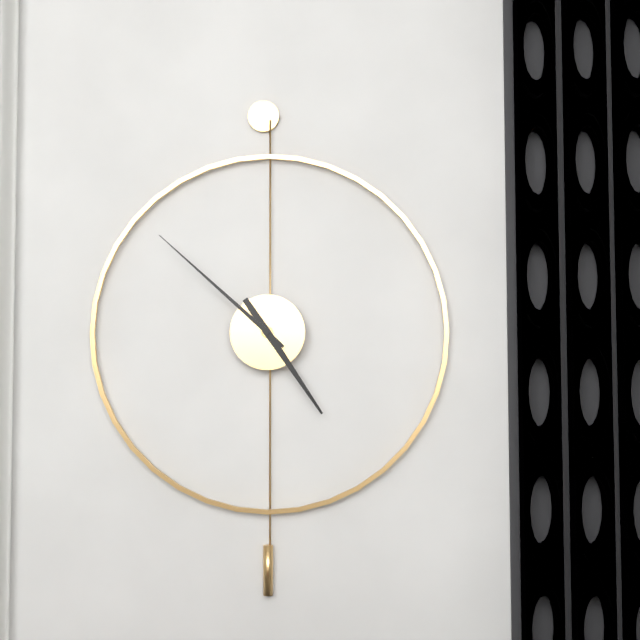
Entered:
4h52
